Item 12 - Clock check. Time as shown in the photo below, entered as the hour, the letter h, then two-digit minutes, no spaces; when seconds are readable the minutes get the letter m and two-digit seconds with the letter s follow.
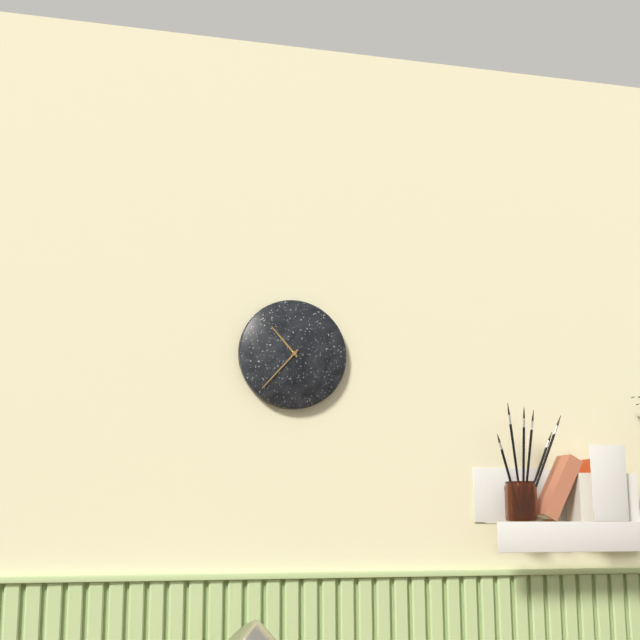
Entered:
10h37
